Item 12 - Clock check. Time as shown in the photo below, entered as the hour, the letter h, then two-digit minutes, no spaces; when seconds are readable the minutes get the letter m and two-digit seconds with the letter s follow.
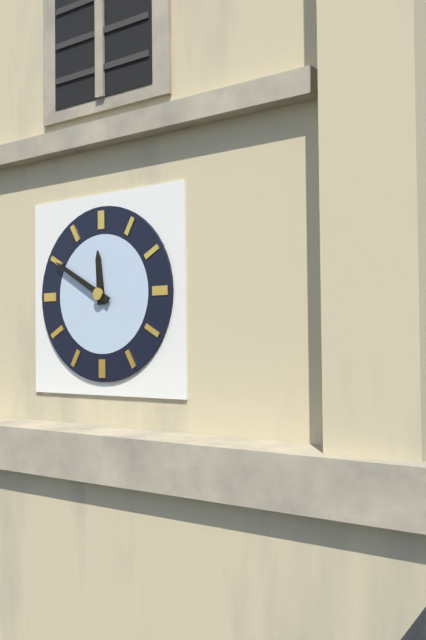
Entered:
11h50
